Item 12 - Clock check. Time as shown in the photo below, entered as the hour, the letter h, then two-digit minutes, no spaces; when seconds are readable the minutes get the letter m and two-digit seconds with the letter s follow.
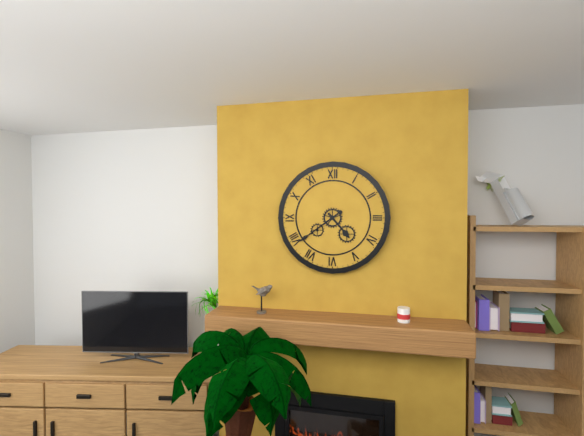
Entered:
4h39
